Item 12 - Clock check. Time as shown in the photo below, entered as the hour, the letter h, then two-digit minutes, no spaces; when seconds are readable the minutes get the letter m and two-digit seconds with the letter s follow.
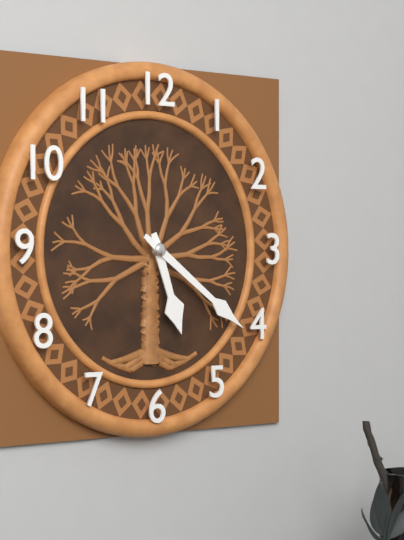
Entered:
5h21
